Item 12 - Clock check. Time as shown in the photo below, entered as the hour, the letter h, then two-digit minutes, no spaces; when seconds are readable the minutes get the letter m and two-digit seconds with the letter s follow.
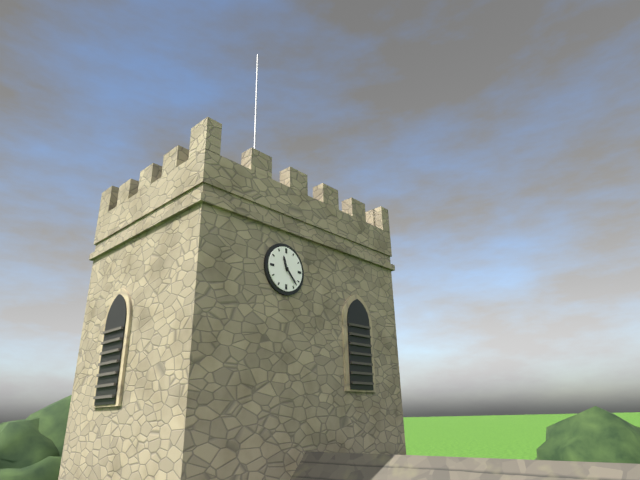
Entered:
11h23
